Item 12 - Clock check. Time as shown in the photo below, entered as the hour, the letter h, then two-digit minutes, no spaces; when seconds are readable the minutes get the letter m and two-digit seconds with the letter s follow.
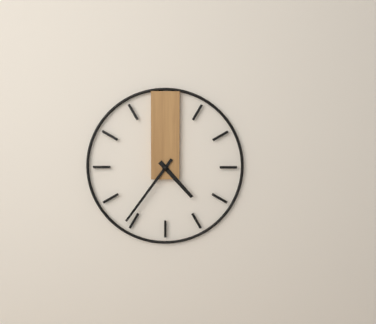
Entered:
4h36
